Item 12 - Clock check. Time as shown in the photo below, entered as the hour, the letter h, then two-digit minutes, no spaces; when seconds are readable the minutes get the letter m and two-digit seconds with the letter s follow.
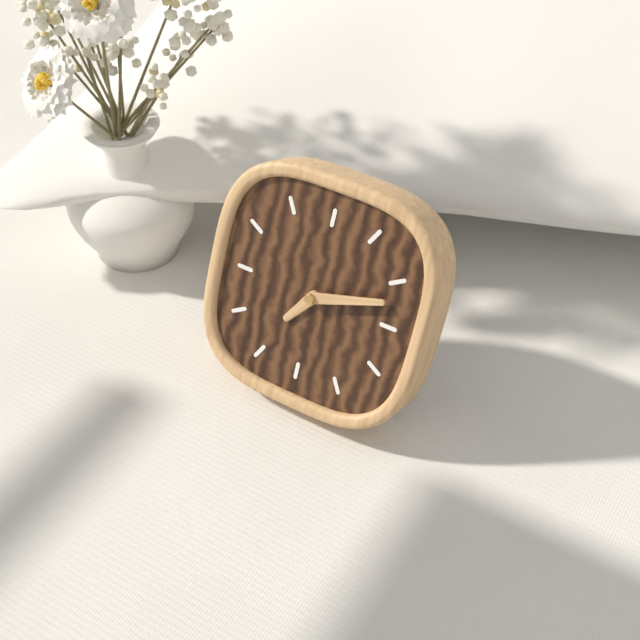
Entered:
7h12
